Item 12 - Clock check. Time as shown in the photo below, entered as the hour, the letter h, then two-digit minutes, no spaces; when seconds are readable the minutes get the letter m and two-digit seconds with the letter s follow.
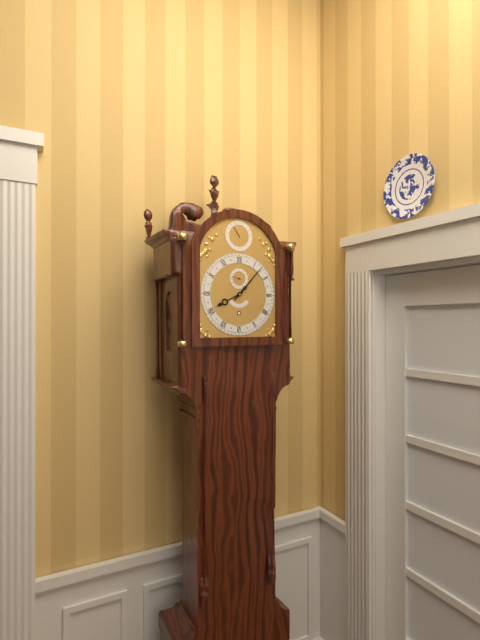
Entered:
8h07
